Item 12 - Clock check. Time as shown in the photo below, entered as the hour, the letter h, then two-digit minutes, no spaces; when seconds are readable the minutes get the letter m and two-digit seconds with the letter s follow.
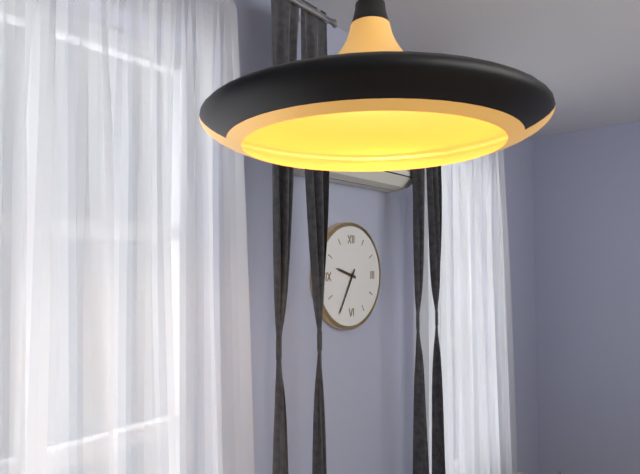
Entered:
9h35
